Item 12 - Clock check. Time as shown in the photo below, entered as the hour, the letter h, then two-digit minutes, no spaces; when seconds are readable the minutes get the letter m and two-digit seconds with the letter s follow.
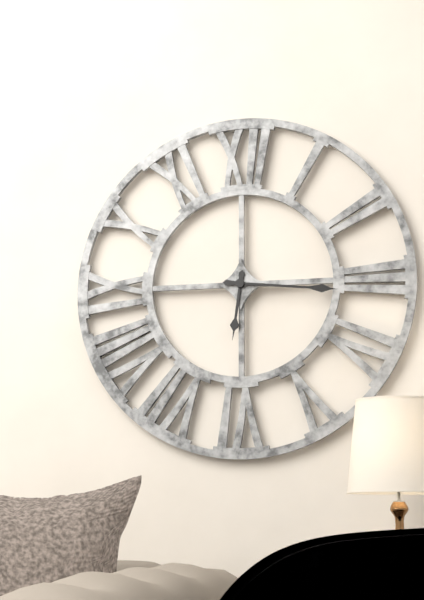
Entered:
6h16
